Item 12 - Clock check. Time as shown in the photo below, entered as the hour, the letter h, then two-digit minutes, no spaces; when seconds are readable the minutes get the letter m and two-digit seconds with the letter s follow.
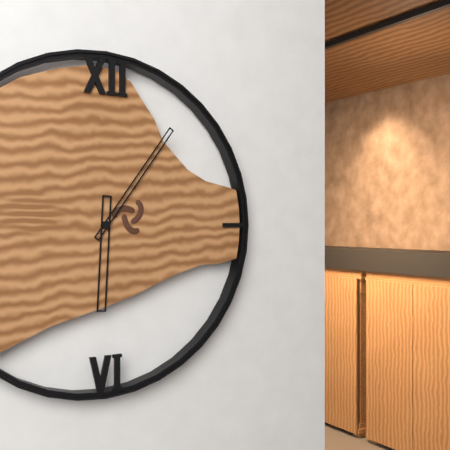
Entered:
6h06
